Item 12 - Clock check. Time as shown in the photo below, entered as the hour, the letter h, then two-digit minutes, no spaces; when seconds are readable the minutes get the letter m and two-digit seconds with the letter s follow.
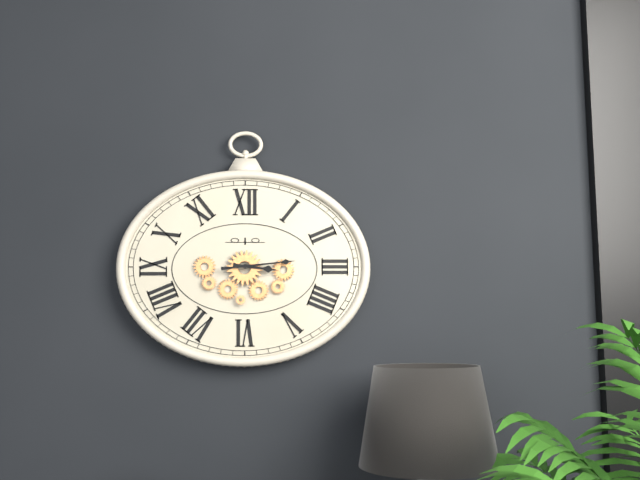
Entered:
3h14
